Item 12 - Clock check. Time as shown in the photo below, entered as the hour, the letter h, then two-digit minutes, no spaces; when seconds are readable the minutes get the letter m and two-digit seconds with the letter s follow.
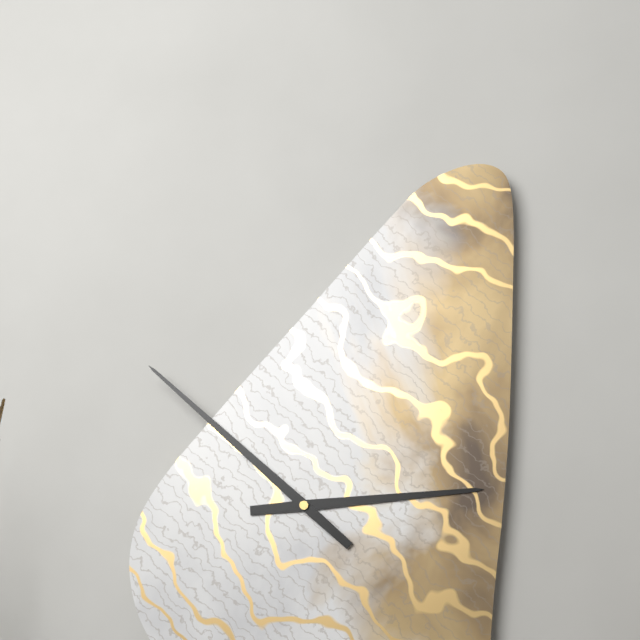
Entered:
2h52
